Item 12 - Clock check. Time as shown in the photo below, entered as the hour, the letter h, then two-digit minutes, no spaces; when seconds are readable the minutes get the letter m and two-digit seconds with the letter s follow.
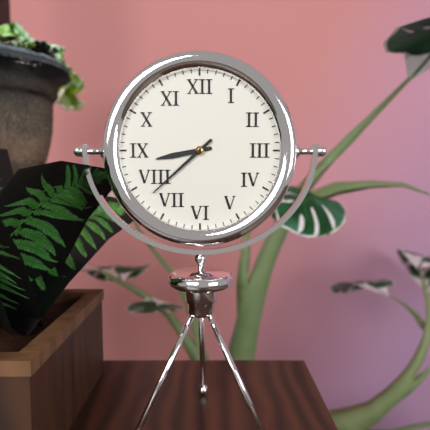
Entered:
8h38
